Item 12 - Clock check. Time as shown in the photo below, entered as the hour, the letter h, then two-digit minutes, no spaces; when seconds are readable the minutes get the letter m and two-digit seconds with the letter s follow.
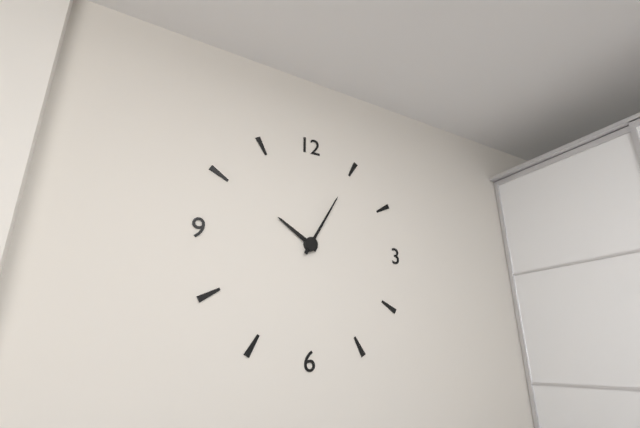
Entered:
10h05
